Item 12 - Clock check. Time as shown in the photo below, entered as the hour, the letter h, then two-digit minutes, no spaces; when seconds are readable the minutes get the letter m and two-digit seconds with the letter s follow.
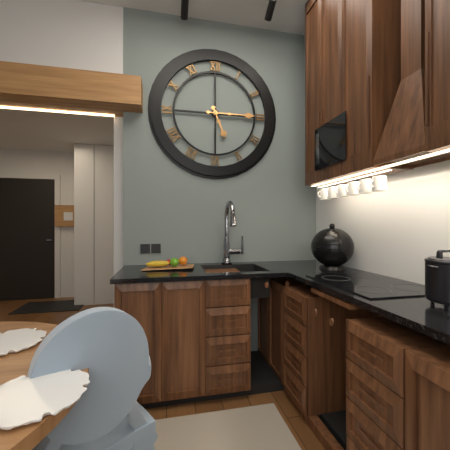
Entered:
5h15
